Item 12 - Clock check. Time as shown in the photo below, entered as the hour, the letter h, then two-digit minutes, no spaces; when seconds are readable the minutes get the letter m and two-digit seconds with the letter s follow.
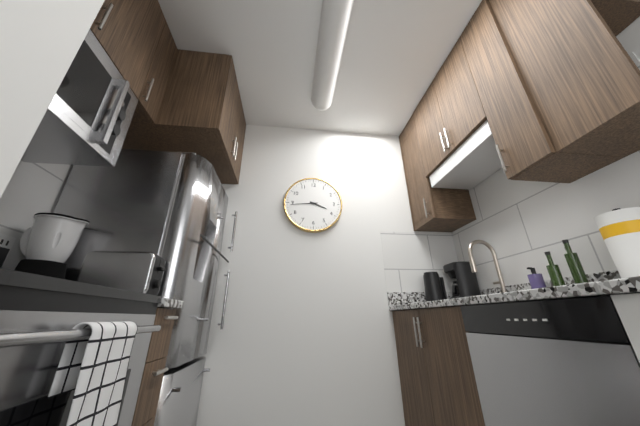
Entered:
3h44
